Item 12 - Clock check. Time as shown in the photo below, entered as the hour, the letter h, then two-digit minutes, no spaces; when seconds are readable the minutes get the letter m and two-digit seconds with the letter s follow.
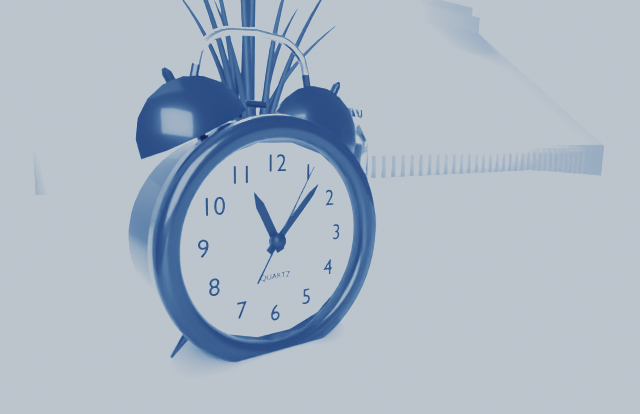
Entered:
11h07m05s
